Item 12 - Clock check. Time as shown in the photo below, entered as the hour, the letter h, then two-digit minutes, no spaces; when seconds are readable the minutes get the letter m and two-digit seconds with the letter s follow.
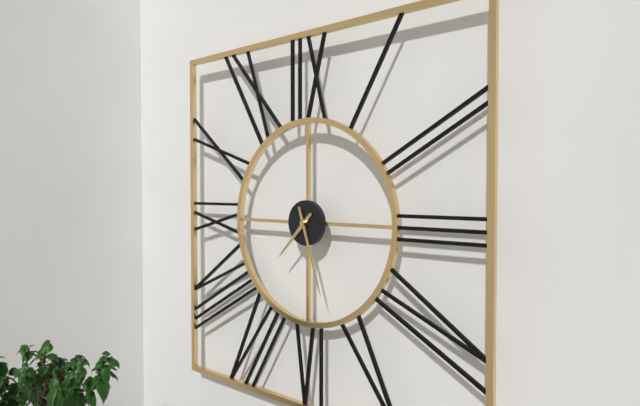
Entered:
7h27
